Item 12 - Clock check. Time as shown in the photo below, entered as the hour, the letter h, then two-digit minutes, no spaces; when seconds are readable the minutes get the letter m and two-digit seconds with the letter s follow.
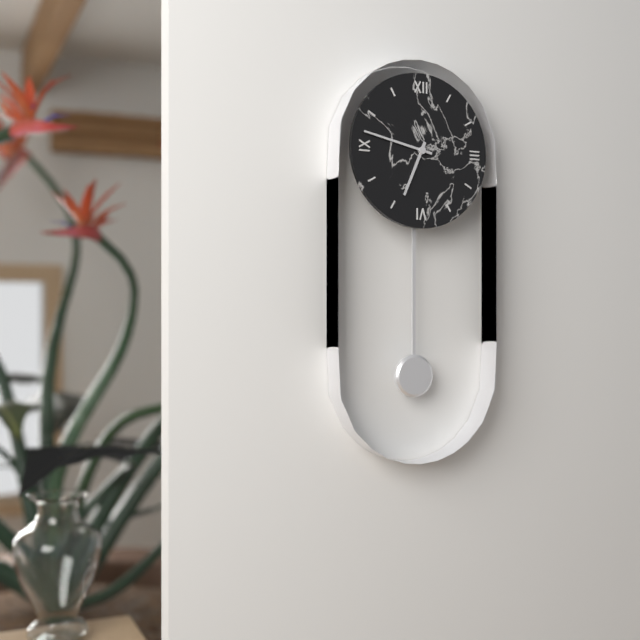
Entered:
6h47
